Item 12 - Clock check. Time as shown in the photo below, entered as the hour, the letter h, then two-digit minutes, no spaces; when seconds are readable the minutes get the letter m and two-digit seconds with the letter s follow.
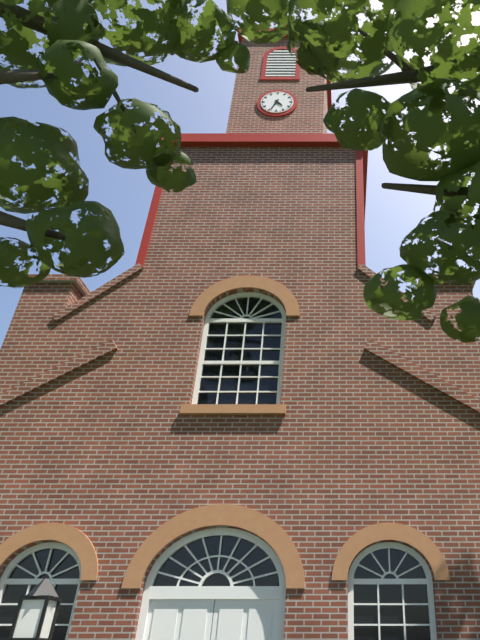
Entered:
4h34
